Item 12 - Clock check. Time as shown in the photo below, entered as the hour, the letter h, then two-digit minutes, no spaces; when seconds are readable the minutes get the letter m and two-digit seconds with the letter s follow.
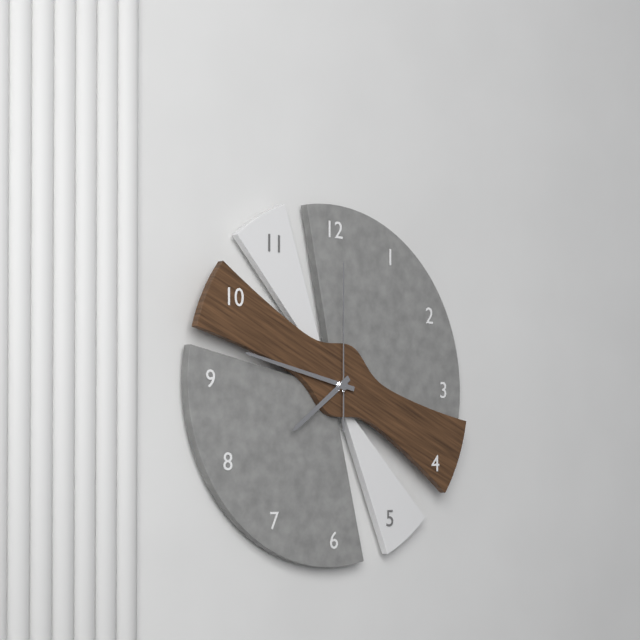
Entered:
7h47m00s
